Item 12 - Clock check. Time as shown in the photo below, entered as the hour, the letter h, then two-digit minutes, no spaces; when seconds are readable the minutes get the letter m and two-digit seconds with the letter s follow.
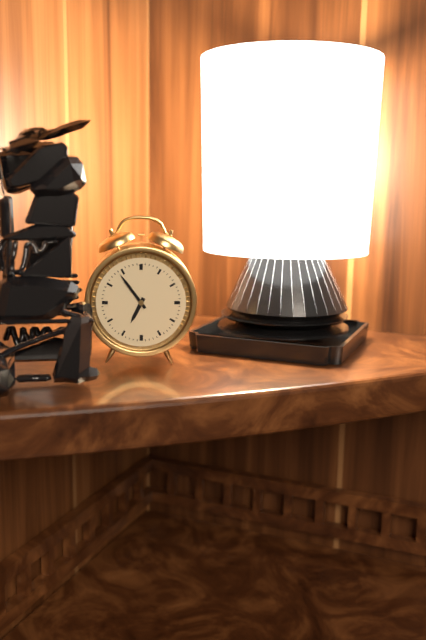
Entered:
6h54
